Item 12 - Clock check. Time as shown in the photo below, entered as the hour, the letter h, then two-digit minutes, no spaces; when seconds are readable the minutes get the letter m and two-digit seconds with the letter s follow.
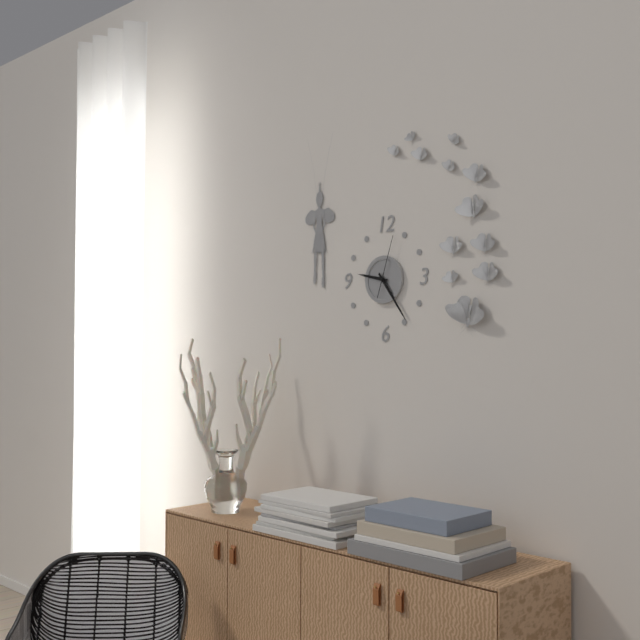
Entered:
9h24m03s
